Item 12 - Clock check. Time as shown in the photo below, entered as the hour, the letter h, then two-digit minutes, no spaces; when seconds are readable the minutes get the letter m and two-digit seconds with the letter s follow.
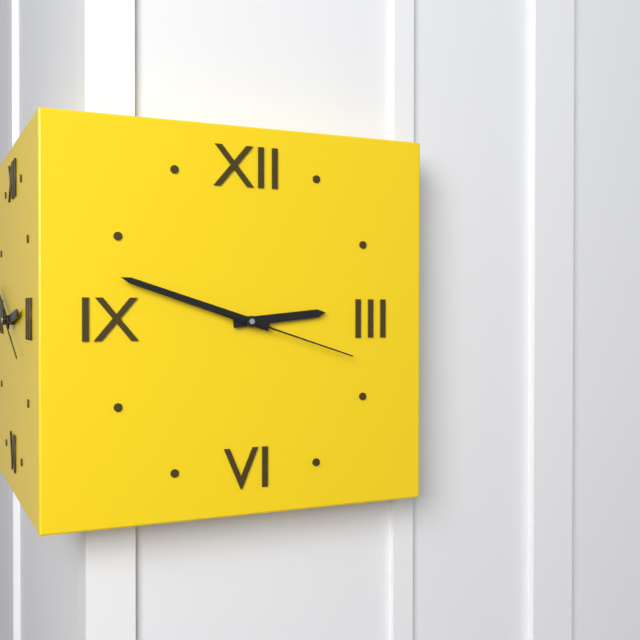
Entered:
2h48m18s
